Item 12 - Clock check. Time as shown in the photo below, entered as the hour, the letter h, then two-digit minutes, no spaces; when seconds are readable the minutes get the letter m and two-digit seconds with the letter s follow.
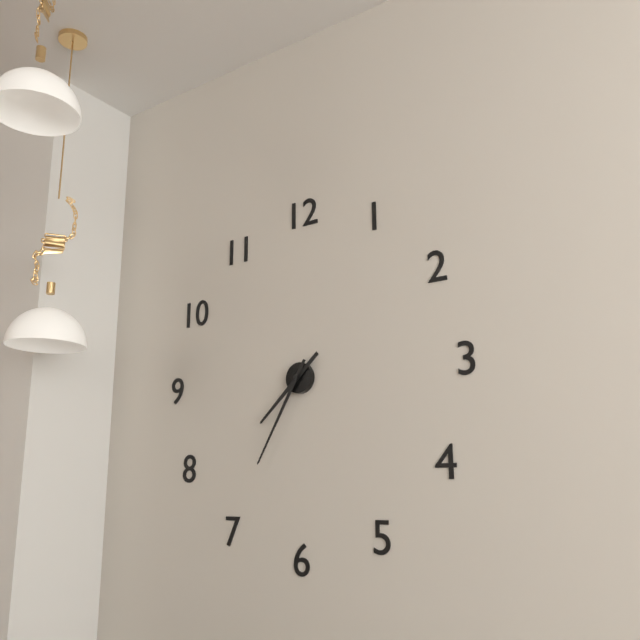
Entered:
7h35
